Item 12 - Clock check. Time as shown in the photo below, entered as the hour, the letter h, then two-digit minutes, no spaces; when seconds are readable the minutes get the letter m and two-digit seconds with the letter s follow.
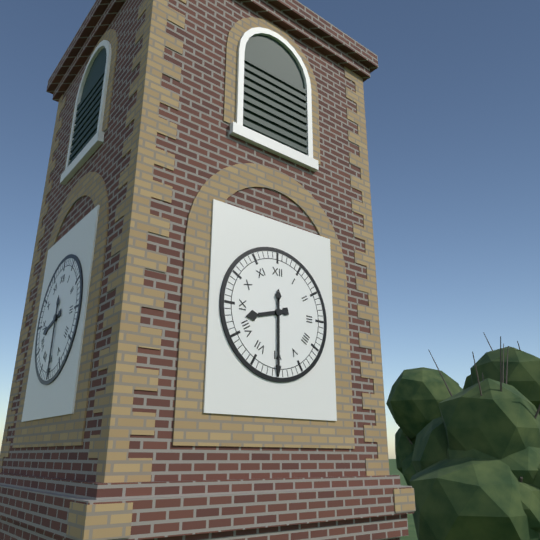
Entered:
8h30
